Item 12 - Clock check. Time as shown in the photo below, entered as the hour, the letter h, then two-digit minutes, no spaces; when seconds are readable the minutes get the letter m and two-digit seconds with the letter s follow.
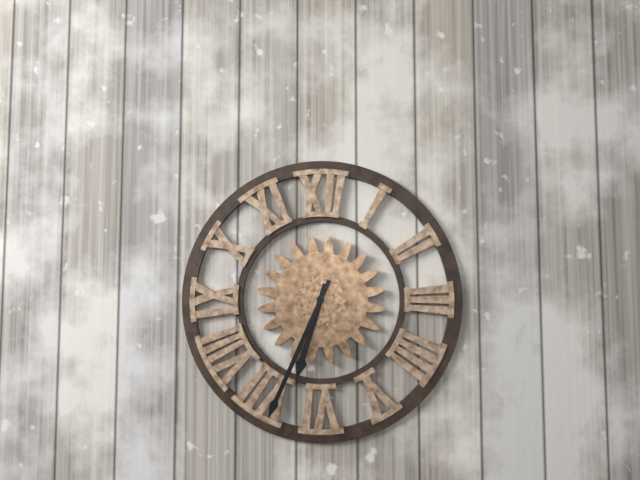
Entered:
6h34
